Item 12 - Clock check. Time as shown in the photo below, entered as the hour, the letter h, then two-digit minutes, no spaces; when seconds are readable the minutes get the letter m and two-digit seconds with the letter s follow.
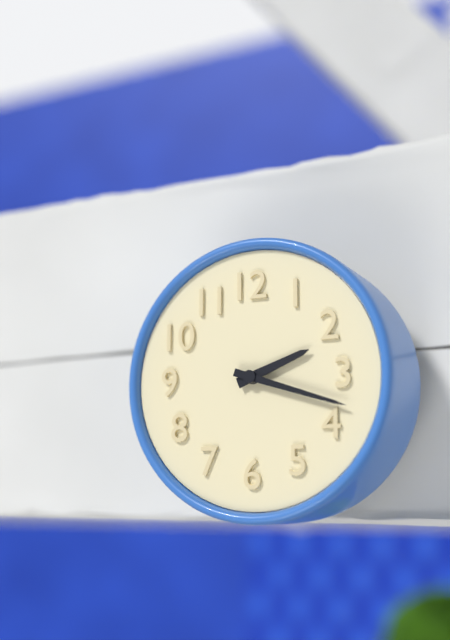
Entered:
2h18
